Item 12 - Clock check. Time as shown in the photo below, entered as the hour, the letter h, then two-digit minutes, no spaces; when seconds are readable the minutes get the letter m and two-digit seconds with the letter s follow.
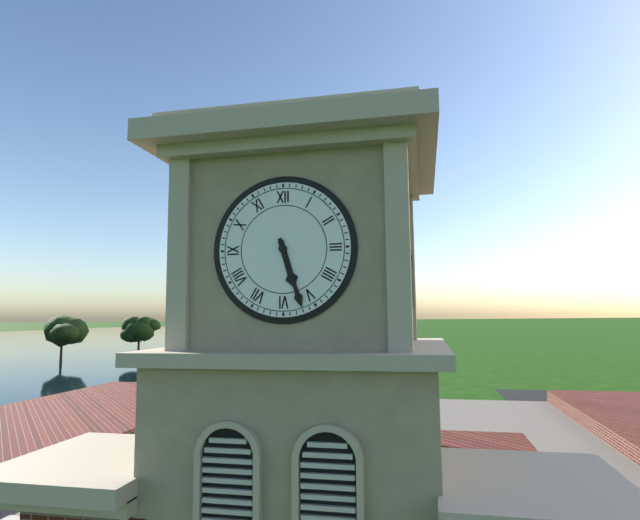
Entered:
5h27
